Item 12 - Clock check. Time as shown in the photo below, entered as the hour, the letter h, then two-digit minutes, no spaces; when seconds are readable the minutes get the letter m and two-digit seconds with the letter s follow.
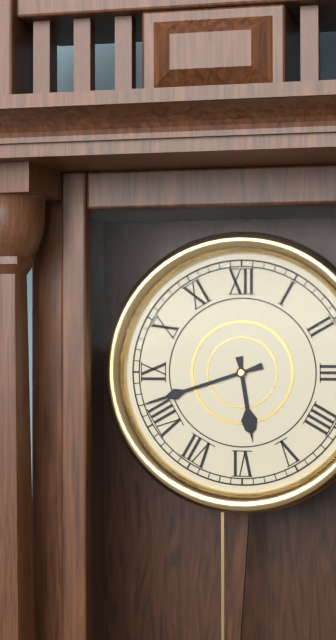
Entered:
5h42
